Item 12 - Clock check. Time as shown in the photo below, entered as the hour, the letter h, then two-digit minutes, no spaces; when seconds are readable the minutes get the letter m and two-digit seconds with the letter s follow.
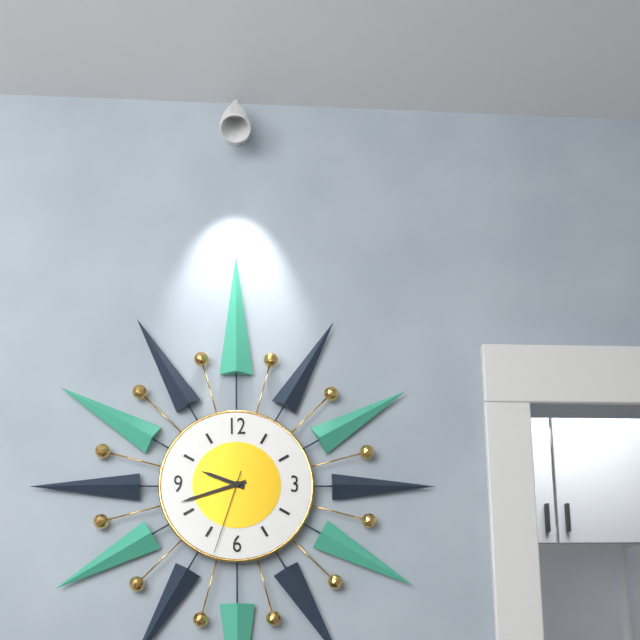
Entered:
9h42m33s
